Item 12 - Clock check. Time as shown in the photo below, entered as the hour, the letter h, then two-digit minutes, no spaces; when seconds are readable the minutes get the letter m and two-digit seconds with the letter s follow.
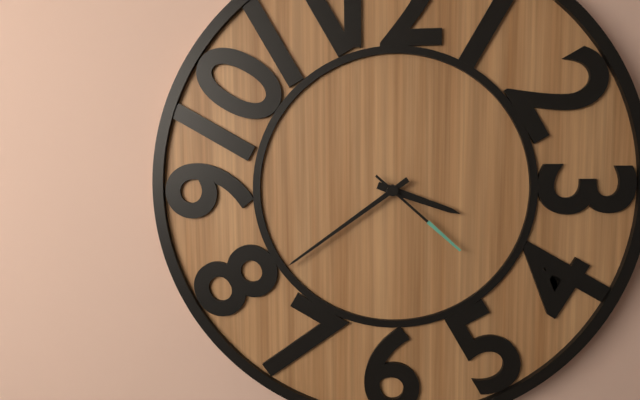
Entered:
3h39m22s
